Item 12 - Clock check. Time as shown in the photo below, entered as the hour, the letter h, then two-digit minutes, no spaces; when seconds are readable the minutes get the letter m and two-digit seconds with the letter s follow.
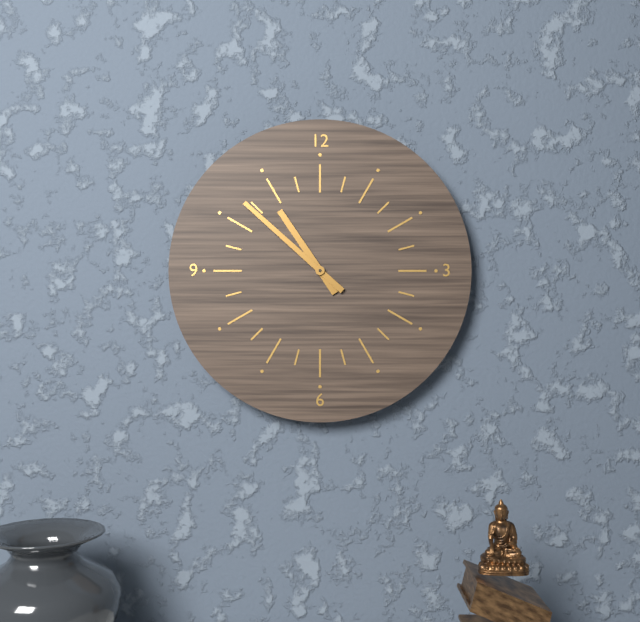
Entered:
10h52
